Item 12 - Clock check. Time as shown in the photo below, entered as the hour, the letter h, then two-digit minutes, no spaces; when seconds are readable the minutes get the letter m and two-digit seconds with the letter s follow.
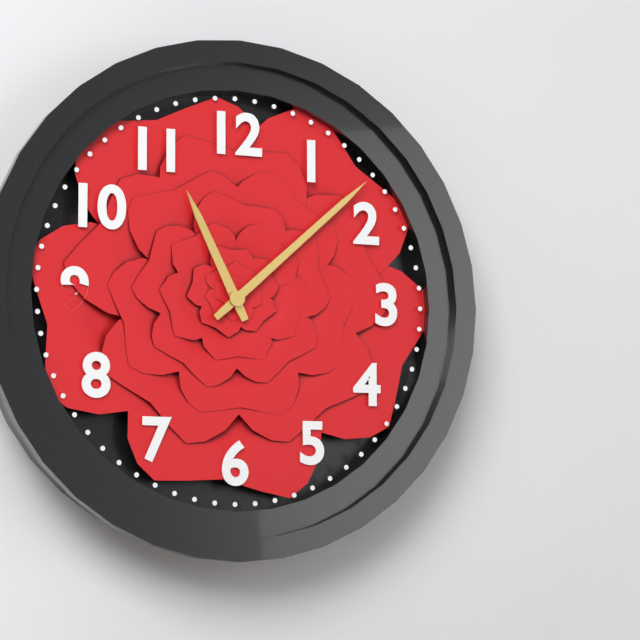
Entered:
11h08
